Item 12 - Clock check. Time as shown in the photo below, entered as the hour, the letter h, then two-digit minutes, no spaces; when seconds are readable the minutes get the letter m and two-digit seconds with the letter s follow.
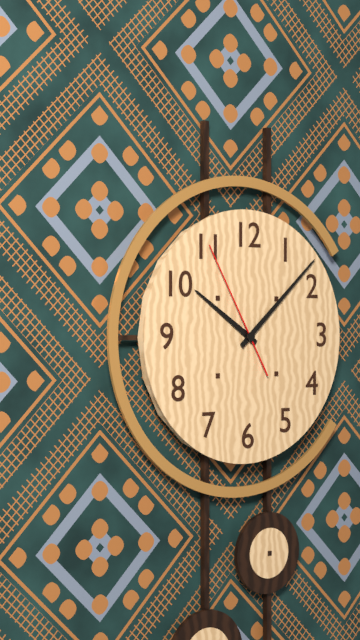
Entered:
10h08m55s
